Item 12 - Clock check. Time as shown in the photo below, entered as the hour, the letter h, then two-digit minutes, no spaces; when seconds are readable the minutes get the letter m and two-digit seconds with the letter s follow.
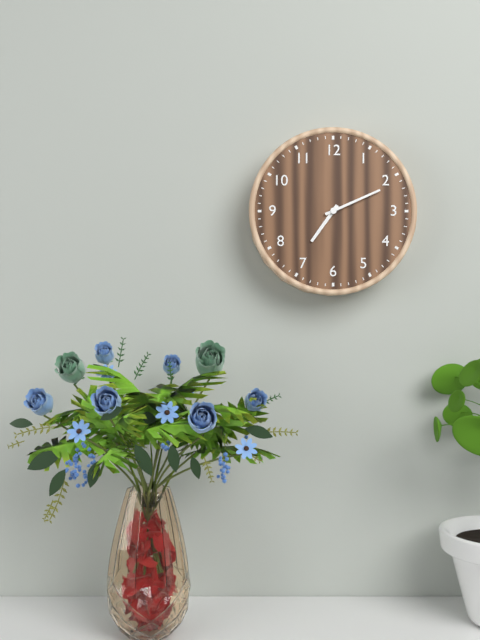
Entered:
7h11
